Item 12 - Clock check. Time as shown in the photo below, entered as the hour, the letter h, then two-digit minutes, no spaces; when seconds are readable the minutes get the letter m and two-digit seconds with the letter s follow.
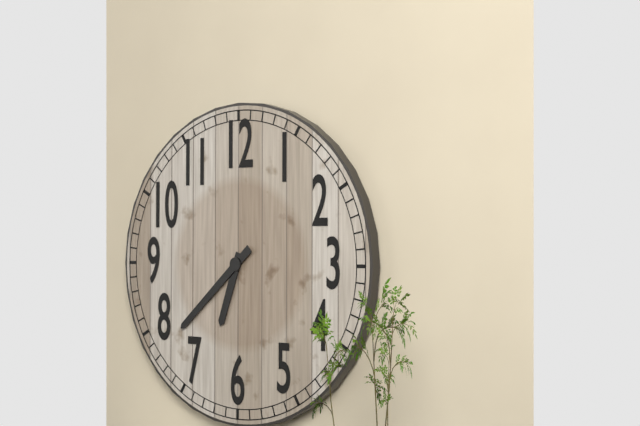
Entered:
6h38
